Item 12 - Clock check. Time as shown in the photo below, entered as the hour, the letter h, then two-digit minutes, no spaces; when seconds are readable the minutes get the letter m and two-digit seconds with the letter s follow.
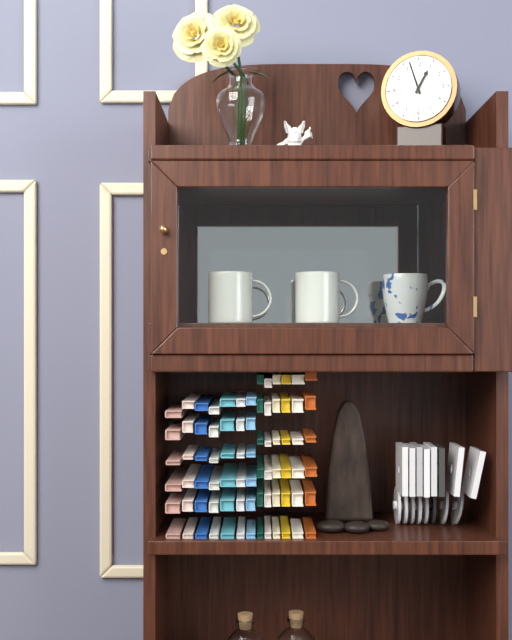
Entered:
12h57
